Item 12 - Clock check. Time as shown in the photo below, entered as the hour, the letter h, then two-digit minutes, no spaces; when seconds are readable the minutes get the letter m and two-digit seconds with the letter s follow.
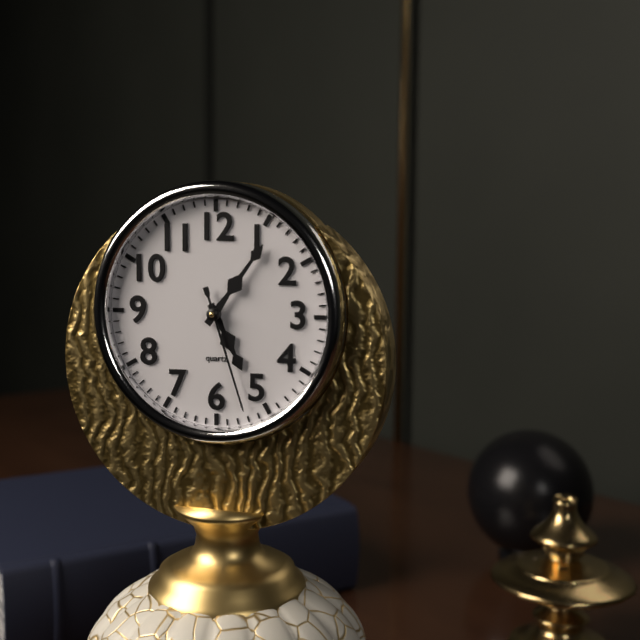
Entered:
5h06m27s
